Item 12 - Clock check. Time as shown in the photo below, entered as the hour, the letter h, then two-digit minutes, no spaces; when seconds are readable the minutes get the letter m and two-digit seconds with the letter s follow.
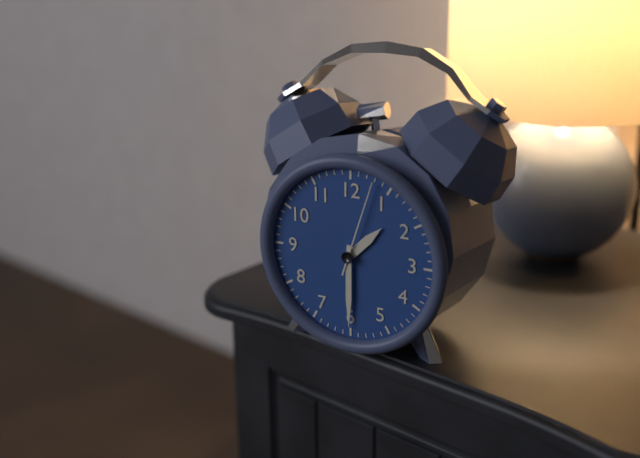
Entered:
1h30m03s
